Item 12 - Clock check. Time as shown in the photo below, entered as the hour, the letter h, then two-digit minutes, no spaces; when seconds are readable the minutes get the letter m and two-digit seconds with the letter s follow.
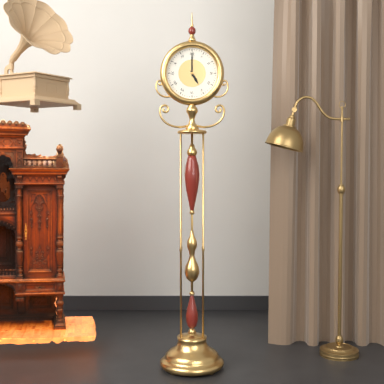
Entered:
5h00
